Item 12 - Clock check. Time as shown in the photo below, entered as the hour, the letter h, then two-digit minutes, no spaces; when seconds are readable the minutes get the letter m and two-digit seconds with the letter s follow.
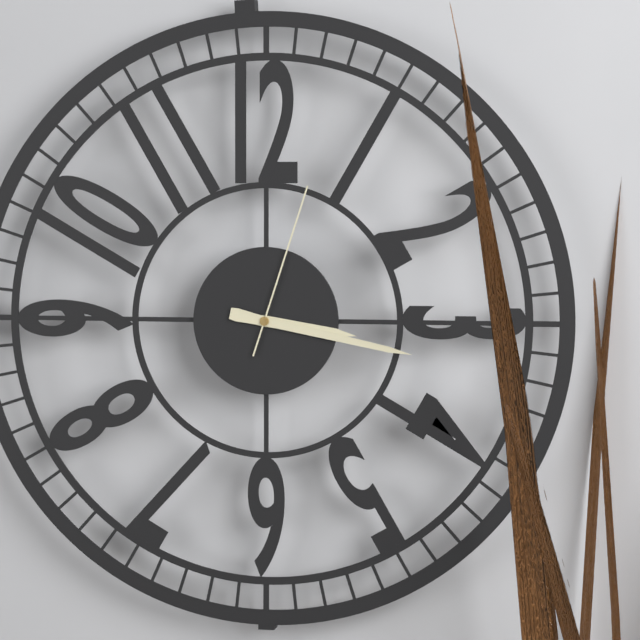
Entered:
3h17m03s
